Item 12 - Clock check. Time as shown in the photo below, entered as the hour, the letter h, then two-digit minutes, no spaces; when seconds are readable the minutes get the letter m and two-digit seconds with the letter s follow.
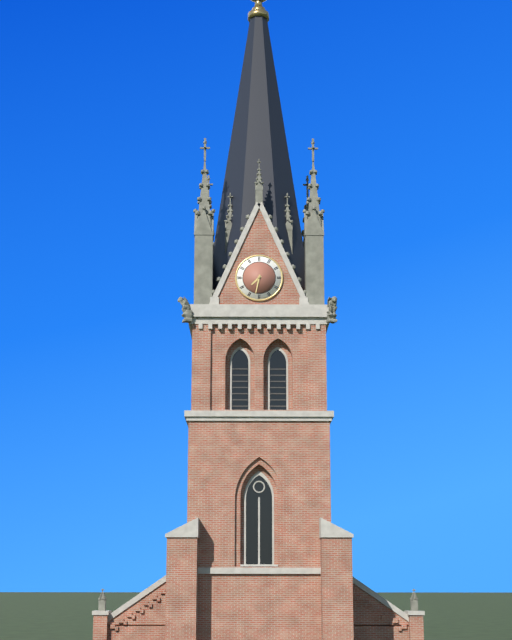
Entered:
7h32
